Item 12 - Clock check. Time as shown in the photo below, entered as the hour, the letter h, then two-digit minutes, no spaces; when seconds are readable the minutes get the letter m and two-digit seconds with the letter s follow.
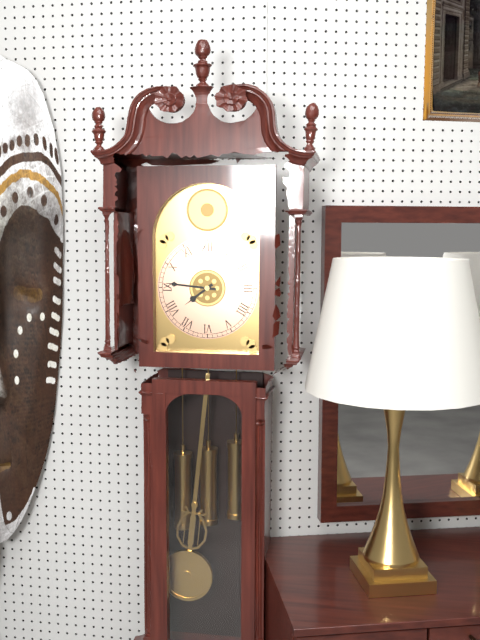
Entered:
7h46
